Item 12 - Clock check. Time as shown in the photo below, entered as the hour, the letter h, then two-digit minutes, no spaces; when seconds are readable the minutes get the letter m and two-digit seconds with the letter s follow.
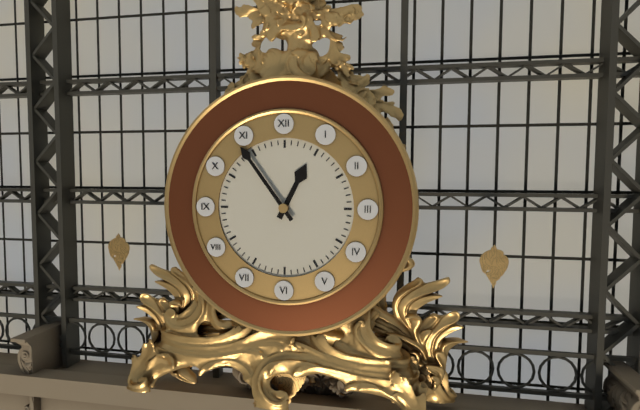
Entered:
12h54
